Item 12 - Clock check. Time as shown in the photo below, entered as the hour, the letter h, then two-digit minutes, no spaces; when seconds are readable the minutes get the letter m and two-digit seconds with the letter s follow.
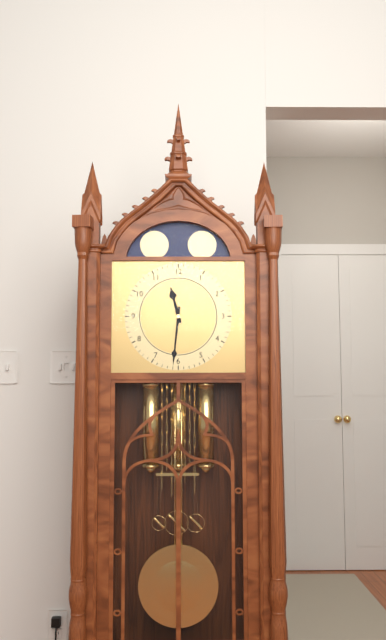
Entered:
11h31
